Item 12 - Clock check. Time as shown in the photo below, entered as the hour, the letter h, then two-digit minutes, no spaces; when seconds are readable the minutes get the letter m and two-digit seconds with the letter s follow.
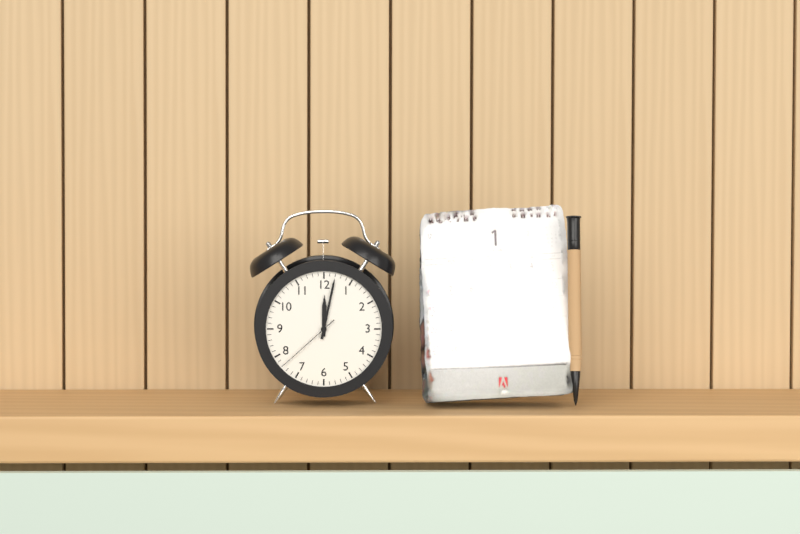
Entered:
12h02m38s
